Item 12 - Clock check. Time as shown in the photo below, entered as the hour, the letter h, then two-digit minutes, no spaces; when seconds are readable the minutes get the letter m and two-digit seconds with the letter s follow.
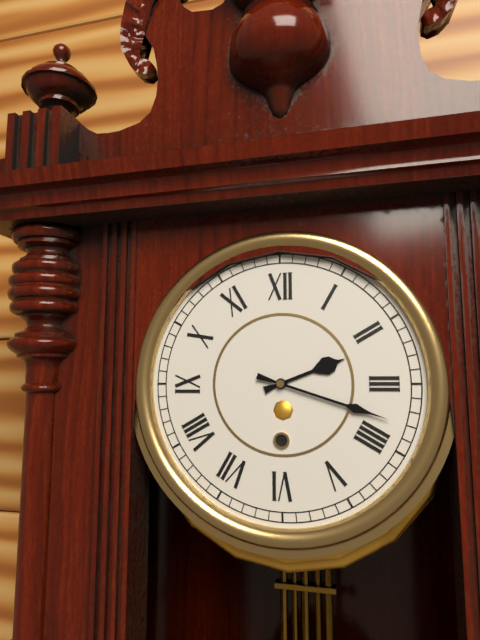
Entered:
2h18
